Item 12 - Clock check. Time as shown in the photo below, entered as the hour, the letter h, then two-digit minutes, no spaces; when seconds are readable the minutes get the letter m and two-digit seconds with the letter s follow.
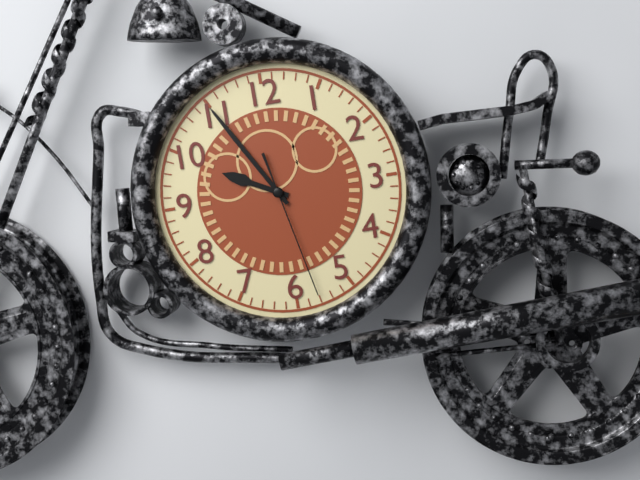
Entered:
9h55m28s
